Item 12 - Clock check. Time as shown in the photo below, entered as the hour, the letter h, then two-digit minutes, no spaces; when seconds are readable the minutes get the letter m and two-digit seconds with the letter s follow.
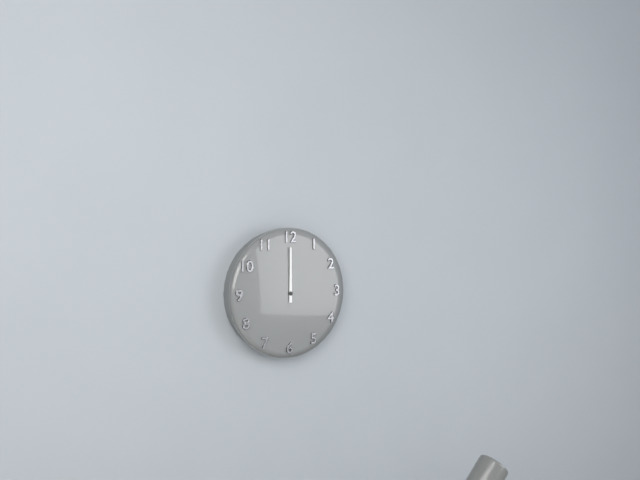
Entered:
12h00
